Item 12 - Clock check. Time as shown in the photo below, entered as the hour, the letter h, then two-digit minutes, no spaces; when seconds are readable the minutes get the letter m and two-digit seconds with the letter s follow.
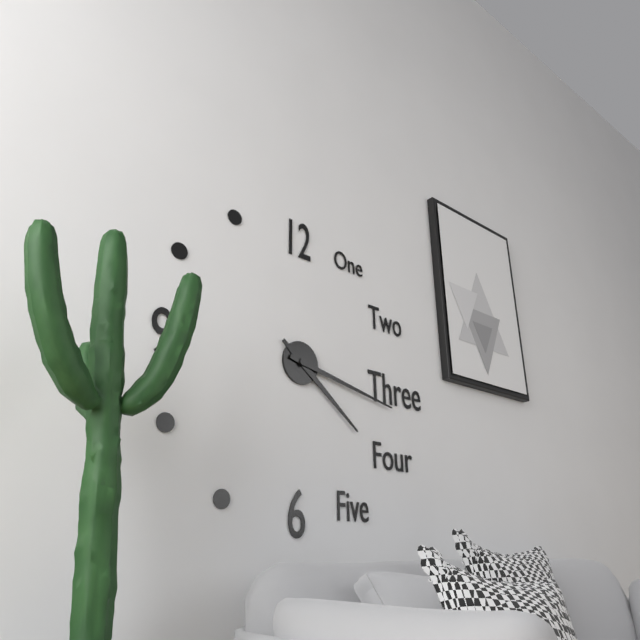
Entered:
4h17
